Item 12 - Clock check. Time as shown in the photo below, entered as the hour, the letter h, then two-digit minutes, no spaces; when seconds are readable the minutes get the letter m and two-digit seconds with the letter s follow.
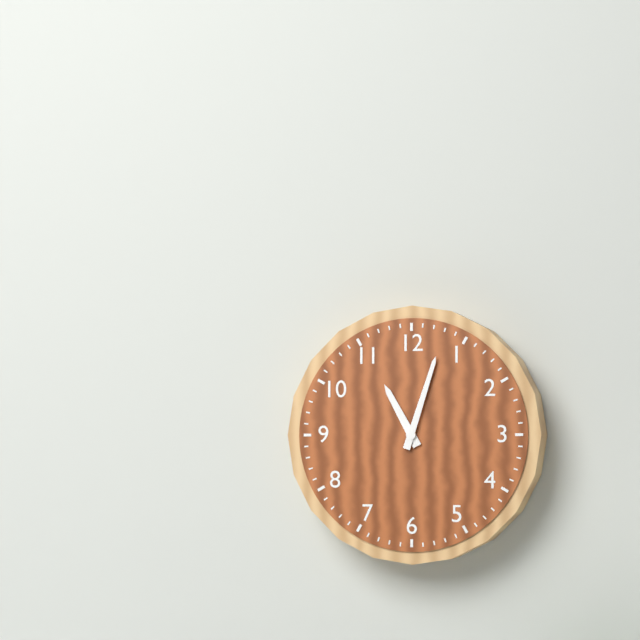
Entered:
11h03
